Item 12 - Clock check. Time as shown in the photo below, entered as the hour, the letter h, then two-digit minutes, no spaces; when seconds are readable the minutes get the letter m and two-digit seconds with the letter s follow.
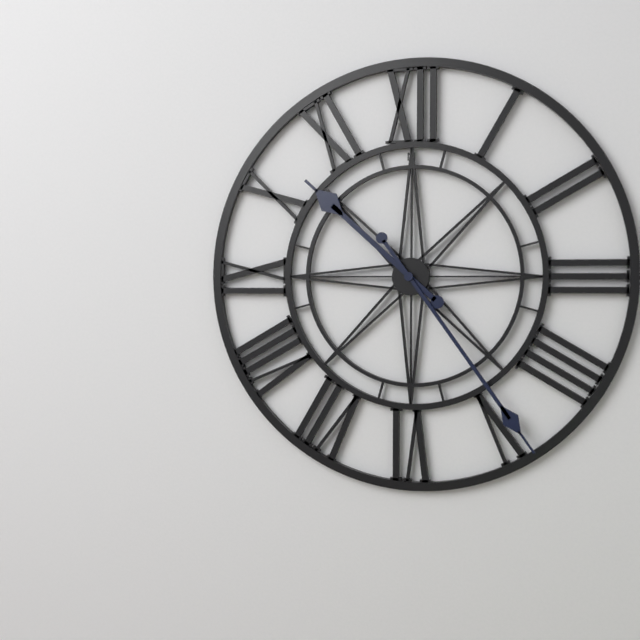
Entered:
10h24
